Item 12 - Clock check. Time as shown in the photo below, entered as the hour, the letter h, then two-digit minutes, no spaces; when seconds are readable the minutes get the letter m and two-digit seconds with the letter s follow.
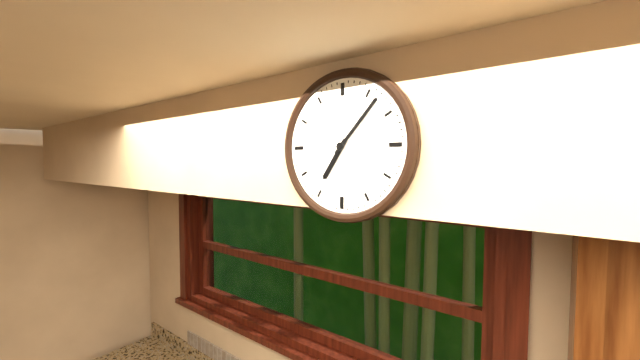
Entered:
7h07
